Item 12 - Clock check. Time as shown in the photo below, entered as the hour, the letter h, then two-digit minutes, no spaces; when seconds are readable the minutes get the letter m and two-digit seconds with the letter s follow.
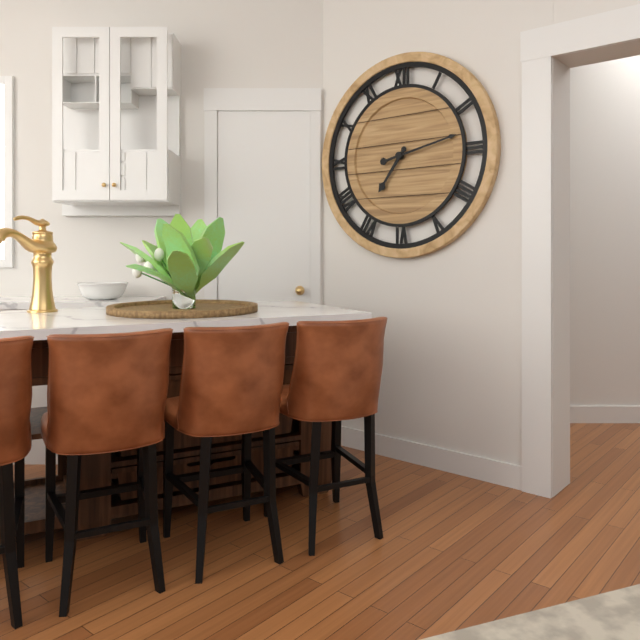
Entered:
7h13
